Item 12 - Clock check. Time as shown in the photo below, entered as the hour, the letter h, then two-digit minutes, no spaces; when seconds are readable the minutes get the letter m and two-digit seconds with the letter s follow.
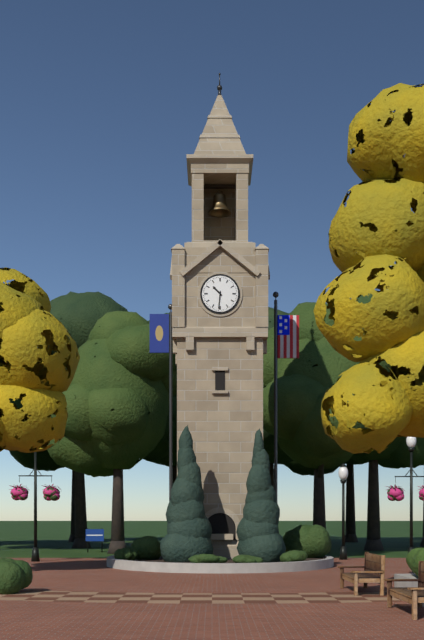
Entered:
10h31
